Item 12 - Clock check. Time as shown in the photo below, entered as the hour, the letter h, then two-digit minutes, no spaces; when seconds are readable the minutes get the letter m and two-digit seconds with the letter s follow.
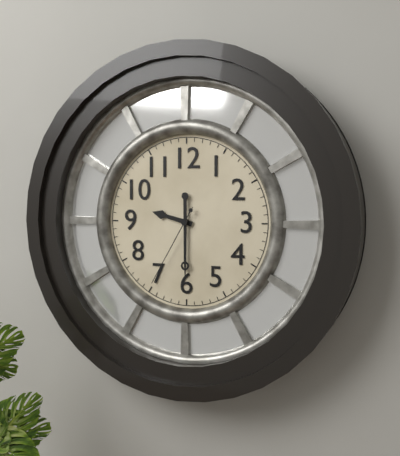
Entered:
9h30m35s
